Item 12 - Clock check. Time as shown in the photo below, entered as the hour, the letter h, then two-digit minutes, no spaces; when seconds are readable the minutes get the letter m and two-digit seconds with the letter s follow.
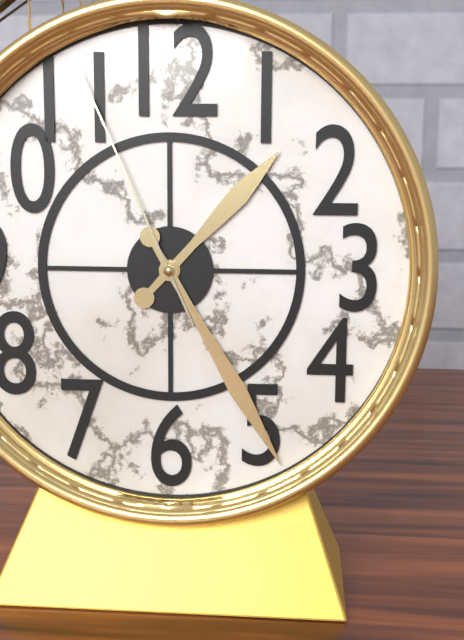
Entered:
1h25m56s
